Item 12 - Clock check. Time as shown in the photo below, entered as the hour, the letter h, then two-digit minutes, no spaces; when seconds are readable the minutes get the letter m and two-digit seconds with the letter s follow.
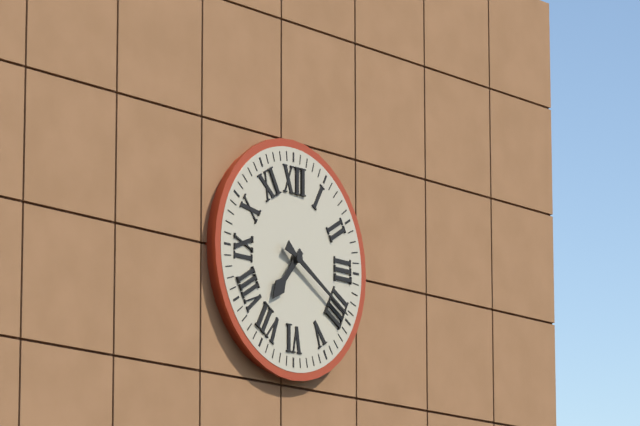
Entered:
7h20
